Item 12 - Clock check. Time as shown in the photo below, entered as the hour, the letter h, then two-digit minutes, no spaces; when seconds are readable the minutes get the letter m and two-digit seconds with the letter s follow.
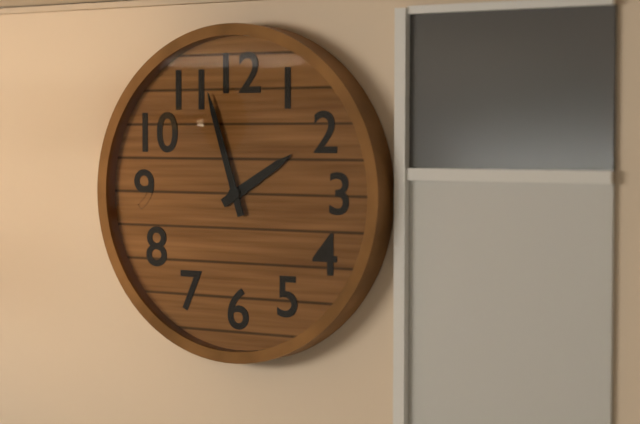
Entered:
1h57
